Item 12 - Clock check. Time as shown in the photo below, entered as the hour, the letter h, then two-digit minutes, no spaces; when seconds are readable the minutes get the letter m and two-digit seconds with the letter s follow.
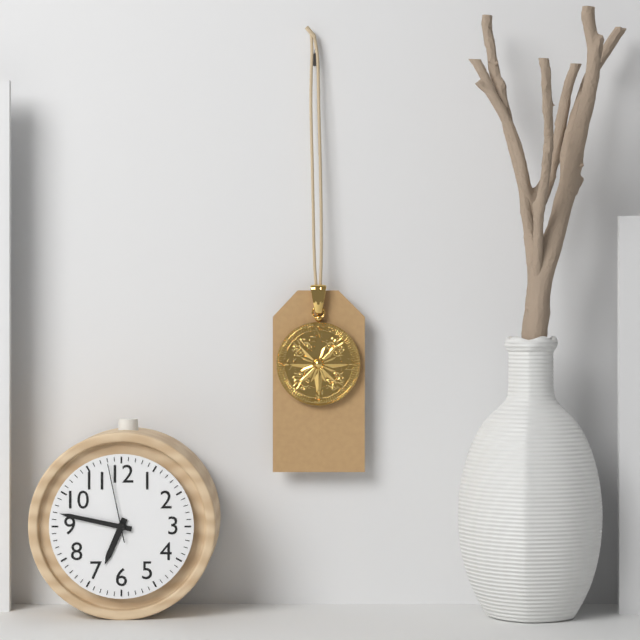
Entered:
6h47m58s
